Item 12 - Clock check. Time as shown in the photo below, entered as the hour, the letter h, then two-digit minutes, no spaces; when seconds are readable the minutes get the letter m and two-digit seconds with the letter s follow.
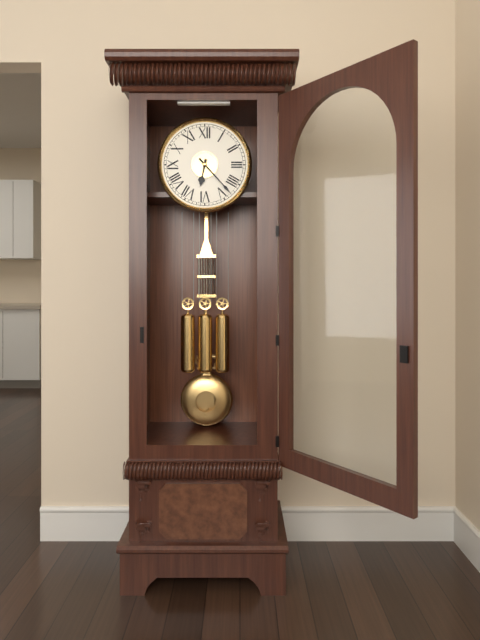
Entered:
6h23
